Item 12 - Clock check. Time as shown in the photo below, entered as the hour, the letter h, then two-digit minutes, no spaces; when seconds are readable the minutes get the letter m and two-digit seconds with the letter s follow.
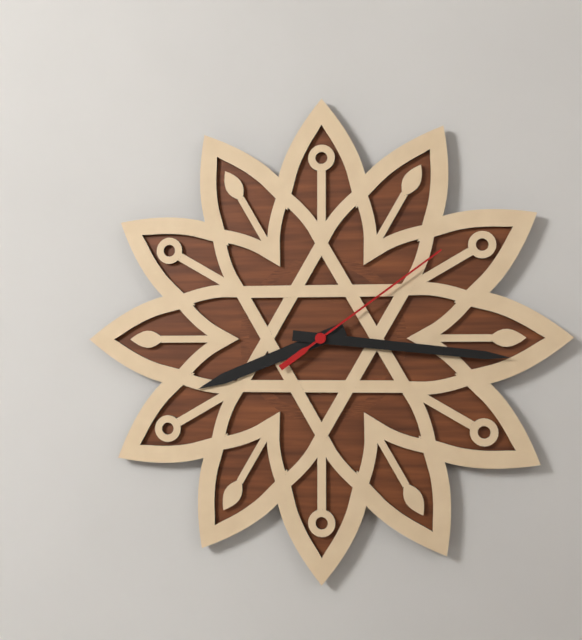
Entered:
8h16m09s
